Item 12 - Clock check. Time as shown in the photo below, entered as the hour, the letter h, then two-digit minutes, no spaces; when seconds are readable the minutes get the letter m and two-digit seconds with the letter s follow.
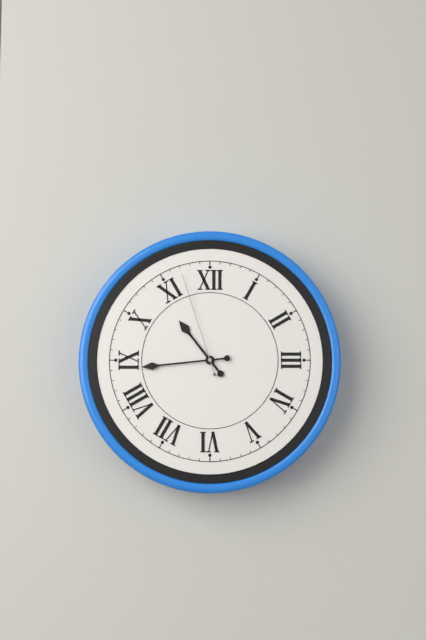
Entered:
10h44m57s
